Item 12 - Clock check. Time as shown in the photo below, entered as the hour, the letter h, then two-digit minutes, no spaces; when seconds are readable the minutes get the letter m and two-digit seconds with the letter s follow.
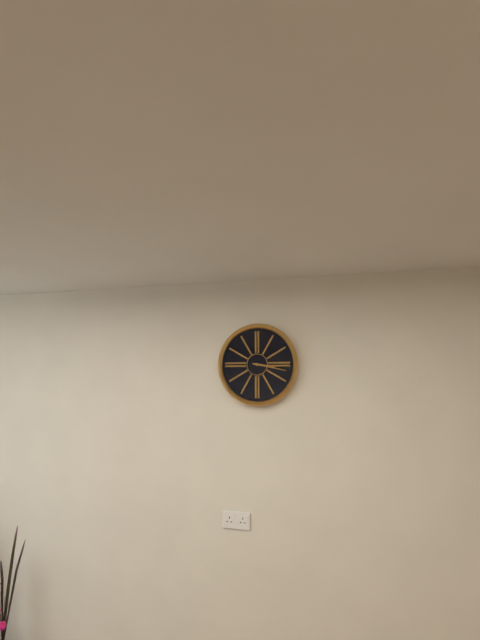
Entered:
3h17
